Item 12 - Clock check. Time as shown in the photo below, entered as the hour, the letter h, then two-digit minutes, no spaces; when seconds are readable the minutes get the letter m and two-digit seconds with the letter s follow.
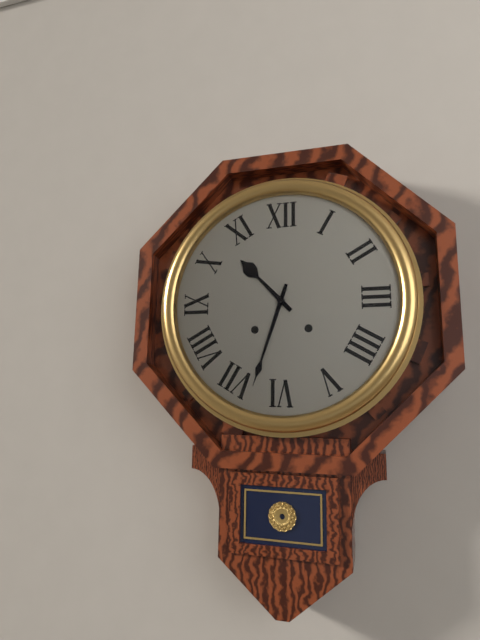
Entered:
10h33
